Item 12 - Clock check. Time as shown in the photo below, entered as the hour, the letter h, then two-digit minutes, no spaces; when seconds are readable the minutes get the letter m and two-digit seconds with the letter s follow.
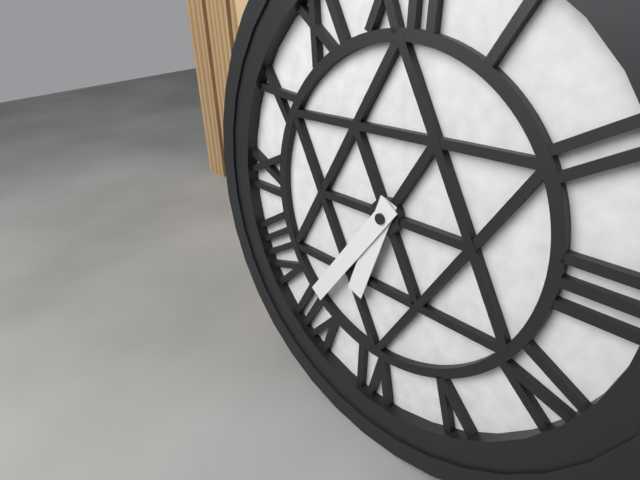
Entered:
6h36
